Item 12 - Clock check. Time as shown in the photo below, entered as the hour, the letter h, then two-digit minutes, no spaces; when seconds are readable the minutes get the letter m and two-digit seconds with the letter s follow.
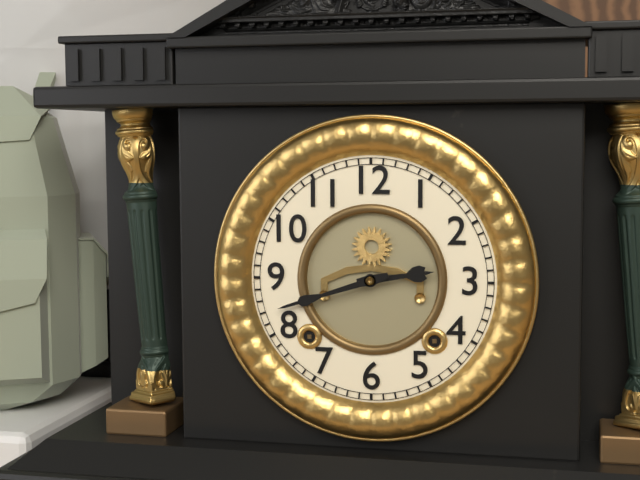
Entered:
2h42
